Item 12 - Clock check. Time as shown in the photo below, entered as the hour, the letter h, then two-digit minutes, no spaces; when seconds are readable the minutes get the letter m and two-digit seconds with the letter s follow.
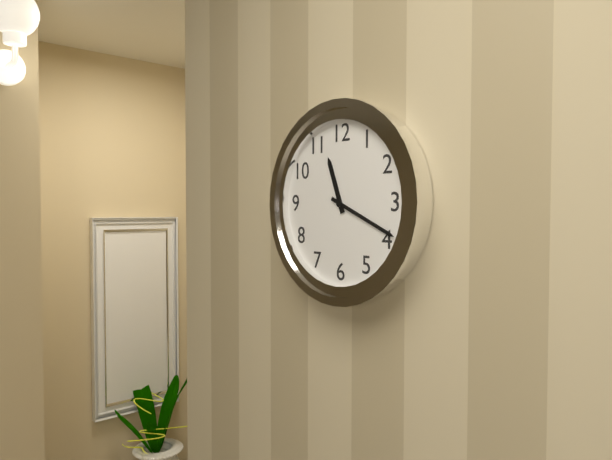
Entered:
11h19
